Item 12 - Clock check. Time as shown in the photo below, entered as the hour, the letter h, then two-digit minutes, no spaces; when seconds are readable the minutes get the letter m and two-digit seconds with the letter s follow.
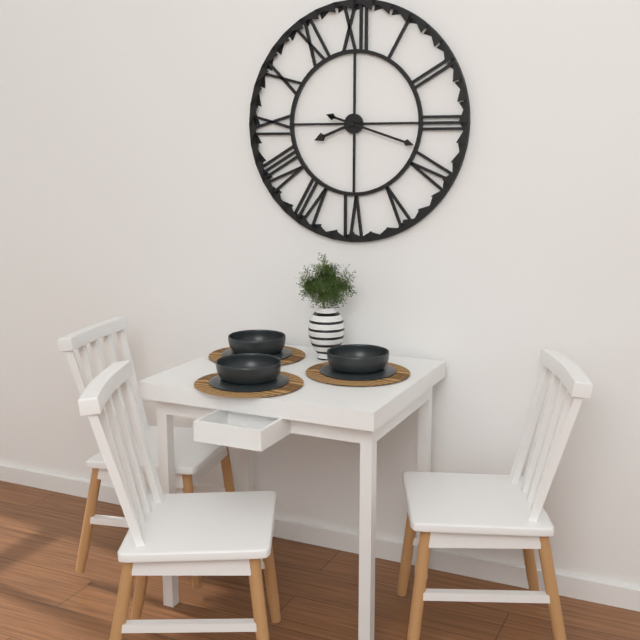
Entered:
8h18
